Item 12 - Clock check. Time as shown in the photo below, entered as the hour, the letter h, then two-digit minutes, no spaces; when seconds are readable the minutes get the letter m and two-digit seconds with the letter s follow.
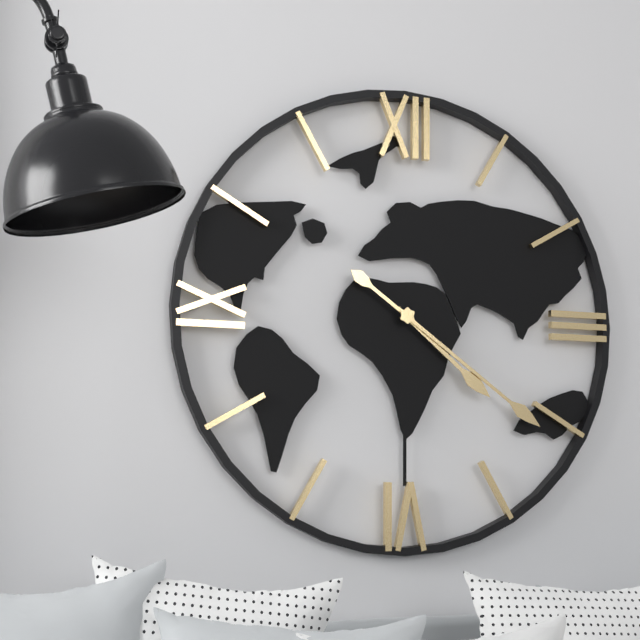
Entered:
4h21
